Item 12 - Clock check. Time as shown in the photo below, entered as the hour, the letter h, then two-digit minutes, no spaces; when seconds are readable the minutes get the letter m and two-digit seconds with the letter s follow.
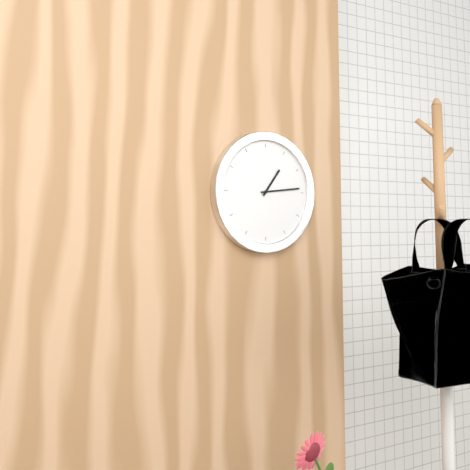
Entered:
1h14
